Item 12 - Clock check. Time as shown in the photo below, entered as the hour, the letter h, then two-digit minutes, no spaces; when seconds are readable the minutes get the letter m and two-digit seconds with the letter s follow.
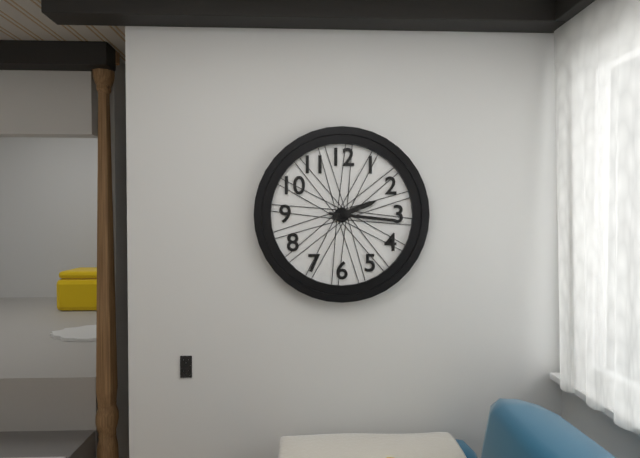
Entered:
2h16
